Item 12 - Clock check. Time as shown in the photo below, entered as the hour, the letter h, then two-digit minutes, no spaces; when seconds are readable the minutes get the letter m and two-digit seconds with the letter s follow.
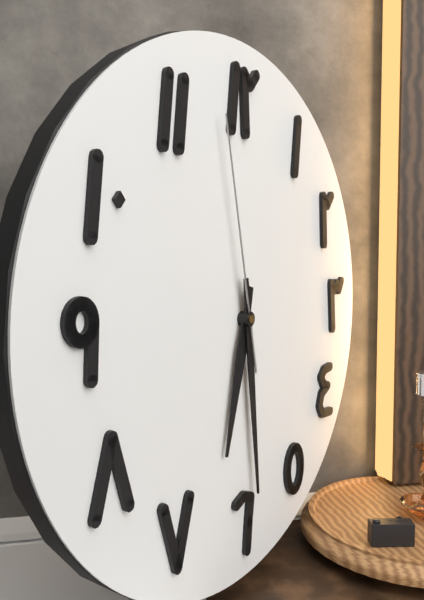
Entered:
6h29m58s
